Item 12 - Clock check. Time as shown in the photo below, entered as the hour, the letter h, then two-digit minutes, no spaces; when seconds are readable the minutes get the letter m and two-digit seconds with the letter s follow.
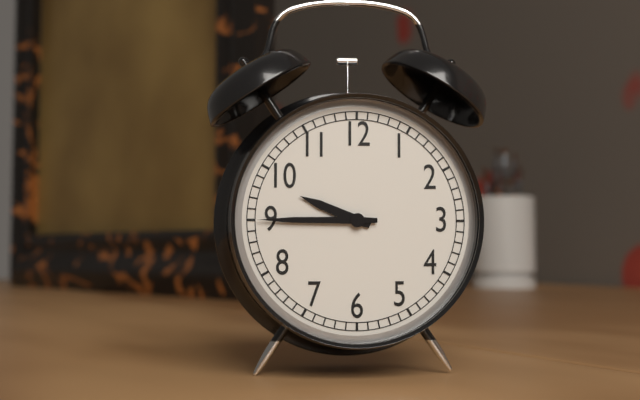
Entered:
9h45
